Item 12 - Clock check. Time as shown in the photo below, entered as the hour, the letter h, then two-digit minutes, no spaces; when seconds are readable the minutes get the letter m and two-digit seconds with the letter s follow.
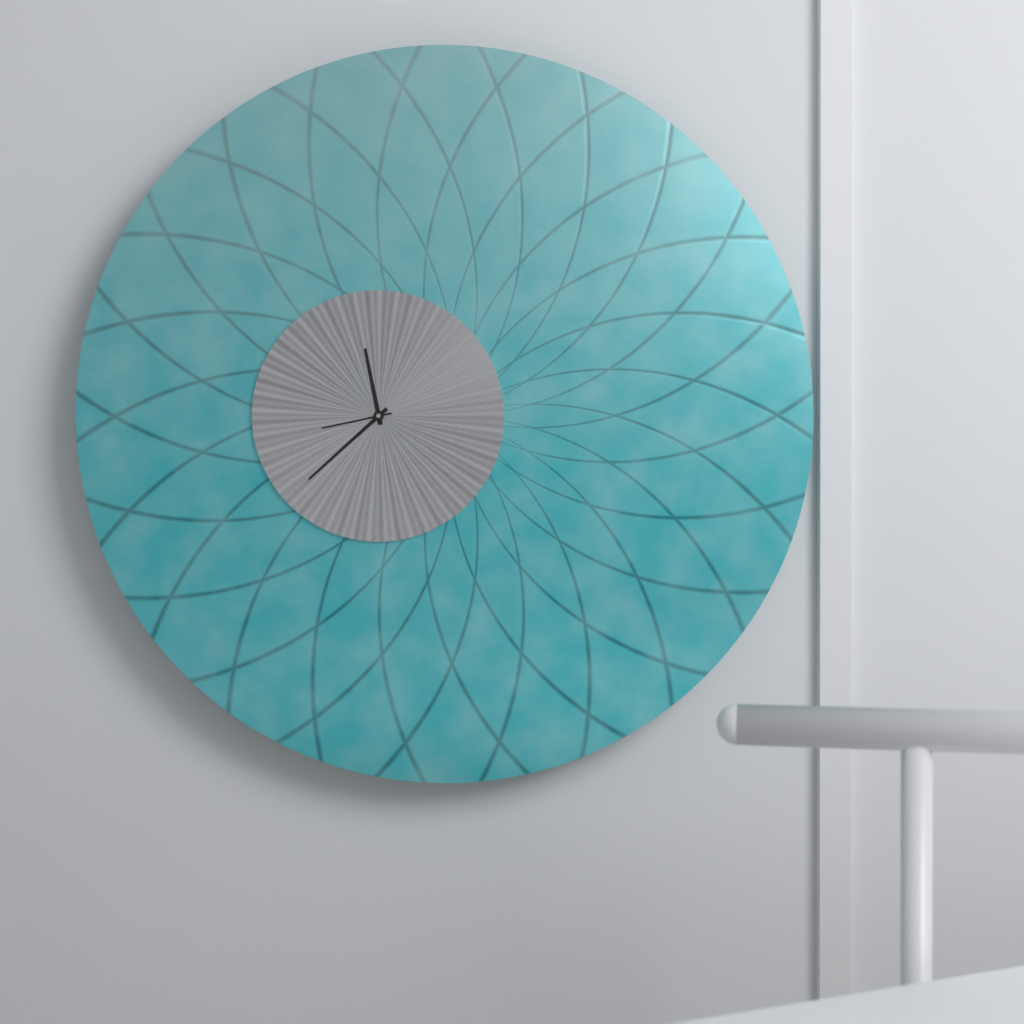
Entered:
11h38m43s
